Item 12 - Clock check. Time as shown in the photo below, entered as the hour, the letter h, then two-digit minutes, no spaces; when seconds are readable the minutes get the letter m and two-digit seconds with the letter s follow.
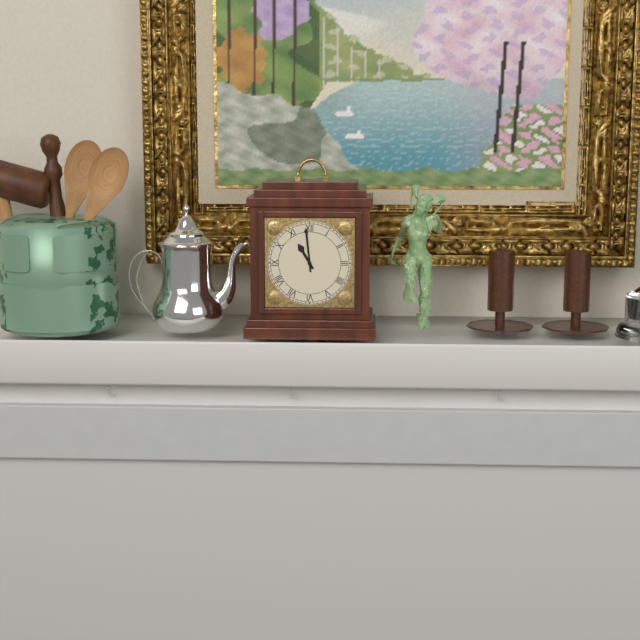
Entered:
10h59
